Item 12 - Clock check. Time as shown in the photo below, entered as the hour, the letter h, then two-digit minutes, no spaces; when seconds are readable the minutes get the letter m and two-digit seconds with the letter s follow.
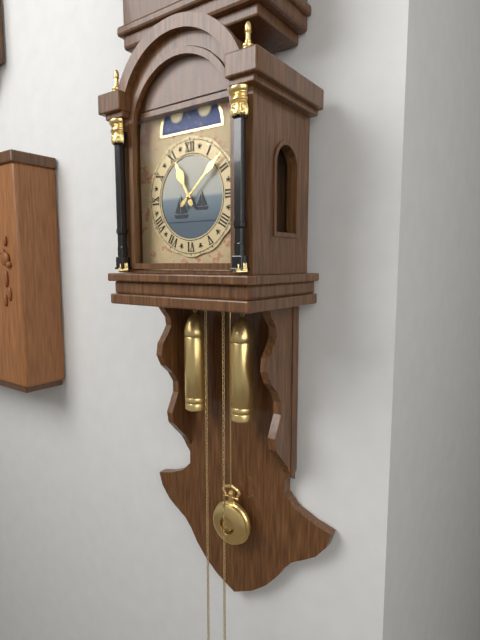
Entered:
11h08
